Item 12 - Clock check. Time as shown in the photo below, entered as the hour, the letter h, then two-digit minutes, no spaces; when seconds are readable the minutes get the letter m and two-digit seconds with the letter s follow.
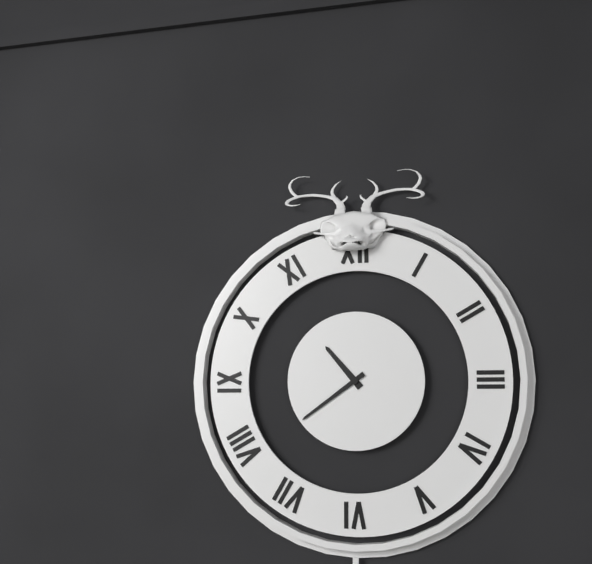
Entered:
10h39
